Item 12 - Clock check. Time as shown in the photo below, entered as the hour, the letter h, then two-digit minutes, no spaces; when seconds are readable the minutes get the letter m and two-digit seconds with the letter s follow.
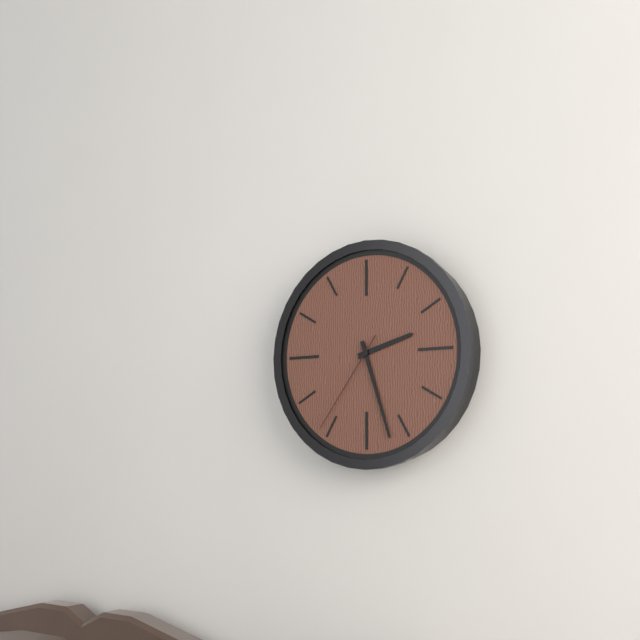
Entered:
2h27m36s
